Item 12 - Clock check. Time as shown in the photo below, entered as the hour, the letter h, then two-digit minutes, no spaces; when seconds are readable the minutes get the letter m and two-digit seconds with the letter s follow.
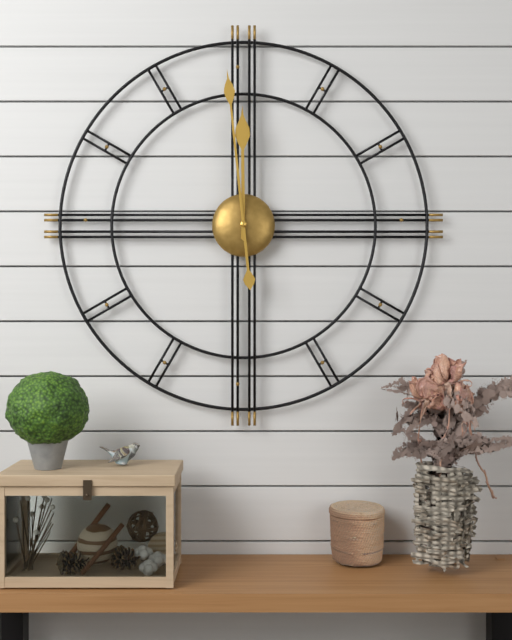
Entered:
11h59
